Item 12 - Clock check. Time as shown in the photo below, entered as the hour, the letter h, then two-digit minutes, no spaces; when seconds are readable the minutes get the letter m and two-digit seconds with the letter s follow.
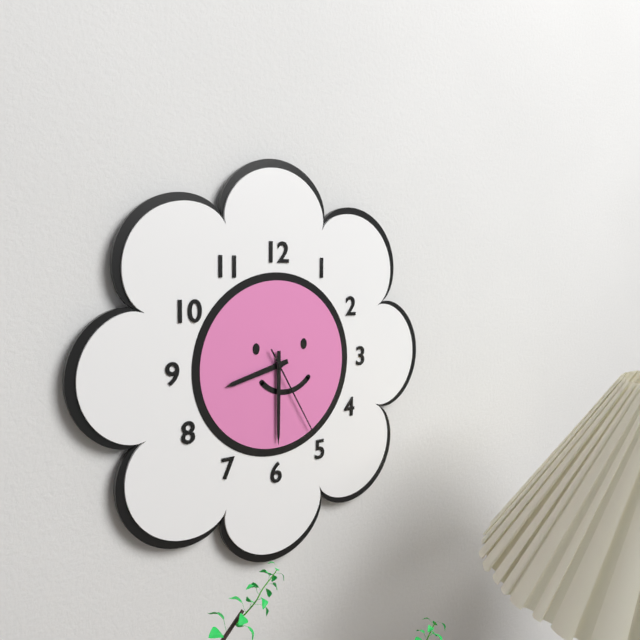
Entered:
8h30m25s
